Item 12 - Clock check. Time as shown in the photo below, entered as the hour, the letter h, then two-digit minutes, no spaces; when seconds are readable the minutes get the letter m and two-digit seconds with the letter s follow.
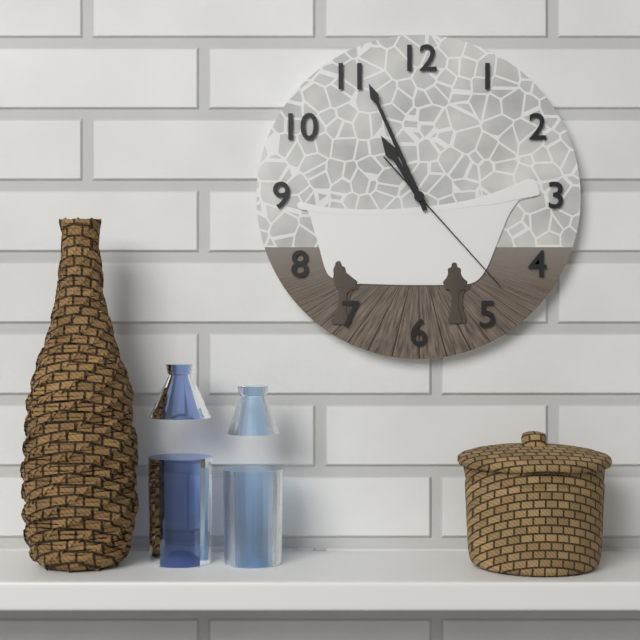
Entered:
10h56m23s
